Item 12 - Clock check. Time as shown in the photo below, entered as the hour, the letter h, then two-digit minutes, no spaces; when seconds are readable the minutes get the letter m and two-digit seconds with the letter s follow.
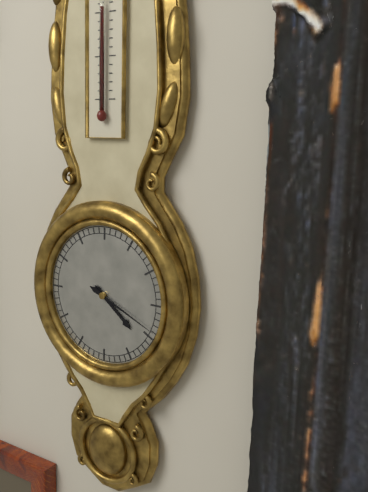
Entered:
4h19
